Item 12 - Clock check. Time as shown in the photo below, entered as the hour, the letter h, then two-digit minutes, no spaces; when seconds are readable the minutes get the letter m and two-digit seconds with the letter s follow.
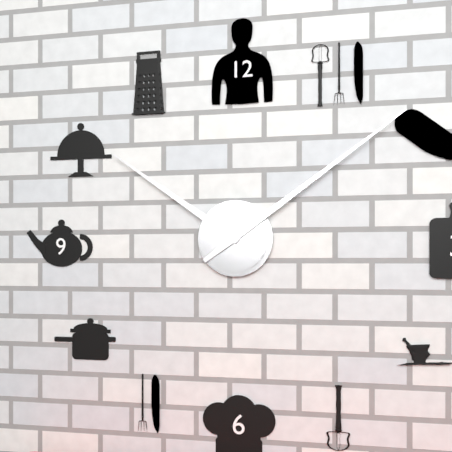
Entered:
10h09
